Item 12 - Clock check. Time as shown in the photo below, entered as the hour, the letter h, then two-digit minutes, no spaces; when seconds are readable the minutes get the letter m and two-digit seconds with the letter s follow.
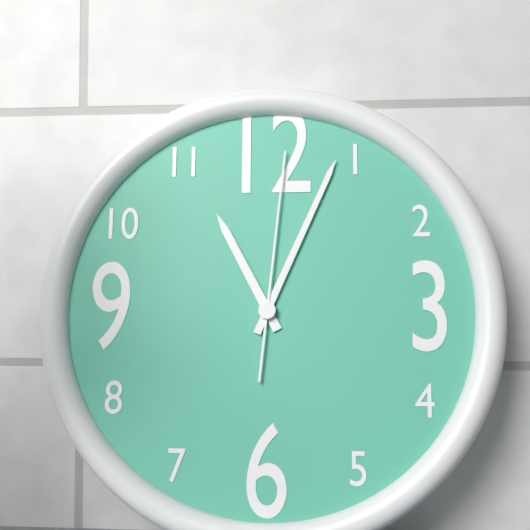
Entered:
11h04m01s
